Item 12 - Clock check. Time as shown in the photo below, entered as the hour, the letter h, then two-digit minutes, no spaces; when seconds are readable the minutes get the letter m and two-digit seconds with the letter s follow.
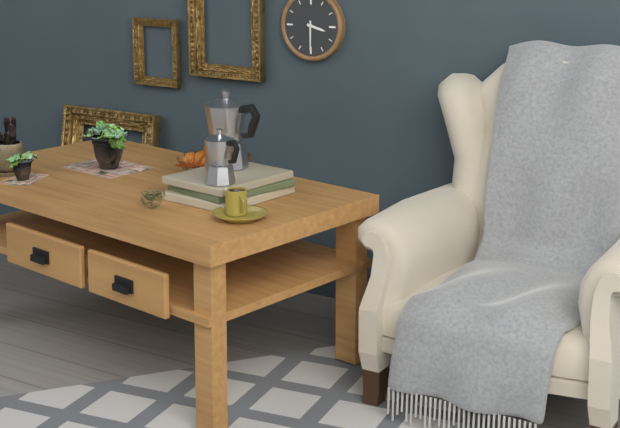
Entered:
3h30
